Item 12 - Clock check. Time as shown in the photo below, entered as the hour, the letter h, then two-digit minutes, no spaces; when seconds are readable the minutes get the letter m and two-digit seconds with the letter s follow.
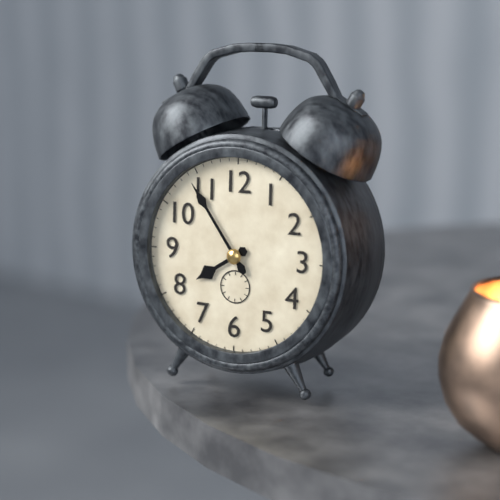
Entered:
7h54
